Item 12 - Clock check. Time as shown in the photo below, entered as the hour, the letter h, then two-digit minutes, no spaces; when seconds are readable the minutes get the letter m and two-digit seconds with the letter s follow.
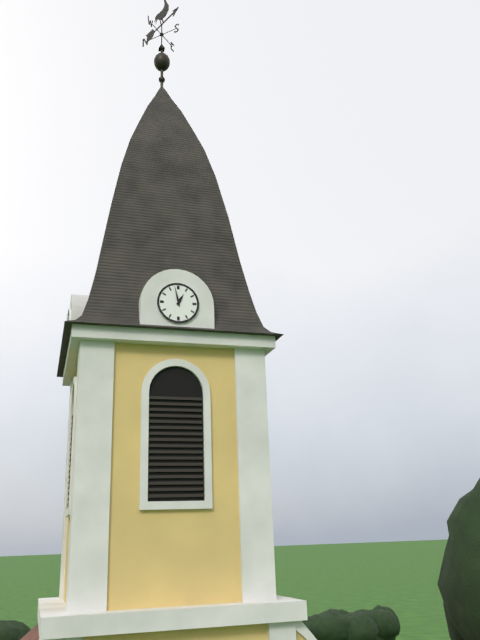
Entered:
12h58
